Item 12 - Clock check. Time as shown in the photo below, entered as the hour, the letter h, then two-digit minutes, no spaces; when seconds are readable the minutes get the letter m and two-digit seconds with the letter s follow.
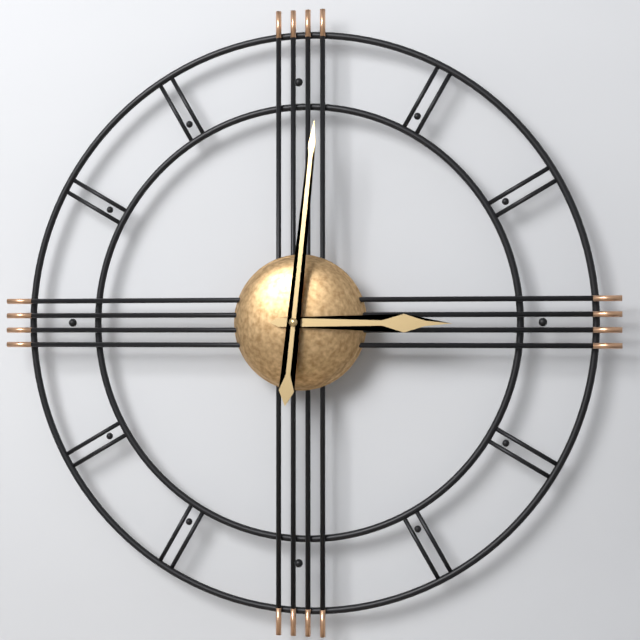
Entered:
3h01
